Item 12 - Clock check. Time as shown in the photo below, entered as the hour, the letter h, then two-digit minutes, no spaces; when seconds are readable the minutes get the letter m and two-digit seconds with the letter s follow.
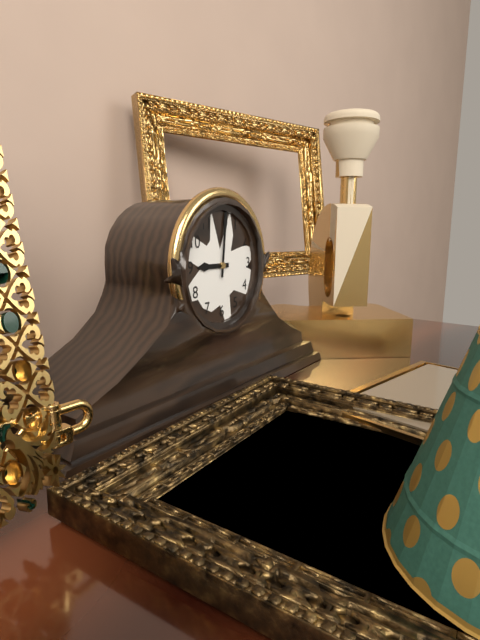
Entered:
9h01
